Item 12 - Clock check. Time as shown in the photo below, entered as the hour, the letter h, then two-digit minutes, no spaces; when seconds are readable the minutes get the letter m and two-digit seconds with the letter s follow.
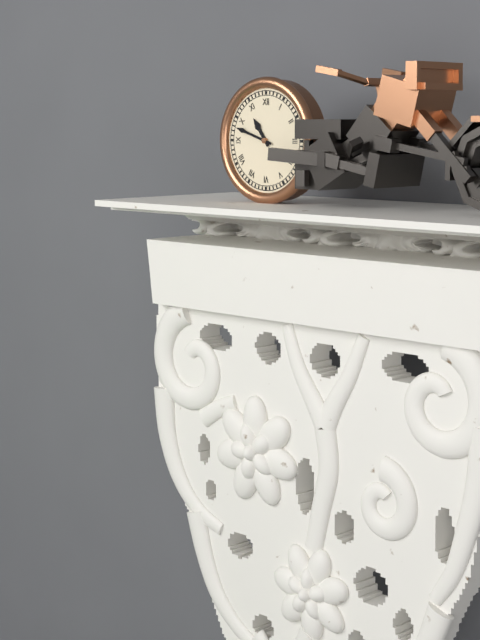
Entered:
10h48
